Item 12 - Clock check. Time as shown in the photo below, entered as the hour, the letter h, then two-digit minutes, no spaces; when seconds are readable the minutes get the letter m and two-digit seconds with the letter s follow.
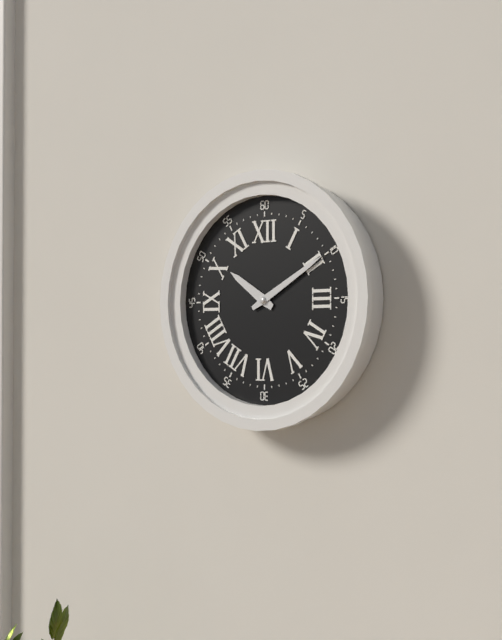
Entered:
10h10
